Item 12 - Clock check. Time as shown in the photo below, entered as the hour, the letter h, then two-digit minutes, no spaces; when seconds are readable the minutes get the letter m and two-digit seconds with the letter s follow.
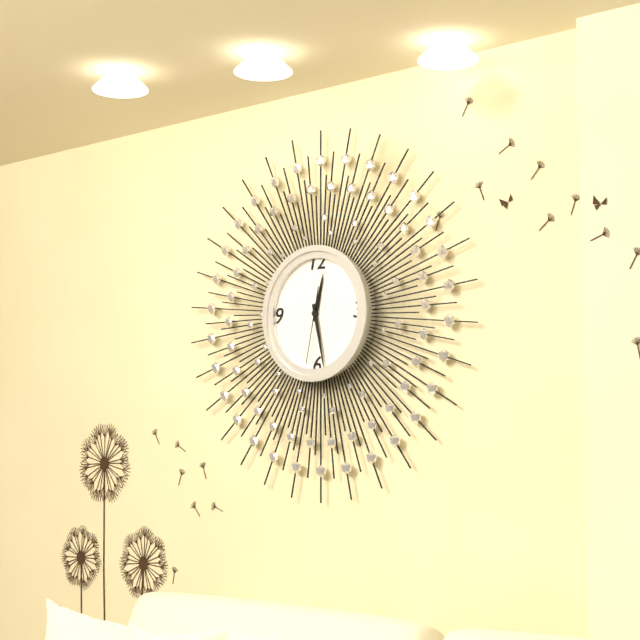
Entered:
12h28m32s
